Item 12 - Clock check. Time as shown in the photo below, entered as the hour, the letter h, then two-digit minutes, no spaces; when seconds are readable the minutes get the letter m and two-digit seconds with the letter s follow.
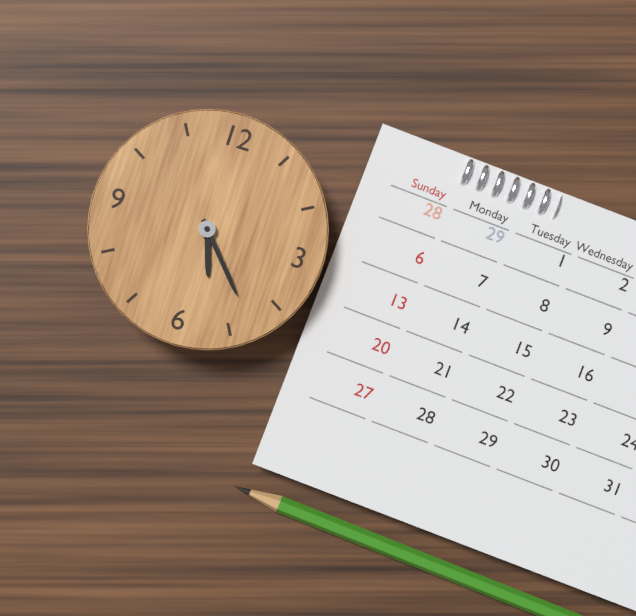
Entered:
5h23
